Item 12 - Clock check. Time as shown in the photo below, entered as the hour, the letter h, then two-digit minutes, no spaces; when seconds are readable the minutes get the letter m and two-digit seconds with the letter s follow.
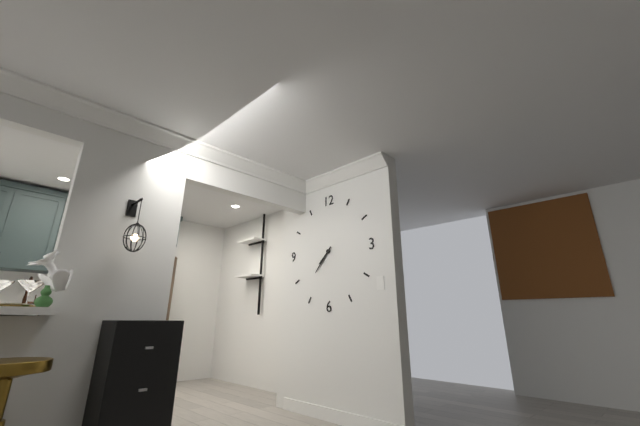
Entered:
7h37
